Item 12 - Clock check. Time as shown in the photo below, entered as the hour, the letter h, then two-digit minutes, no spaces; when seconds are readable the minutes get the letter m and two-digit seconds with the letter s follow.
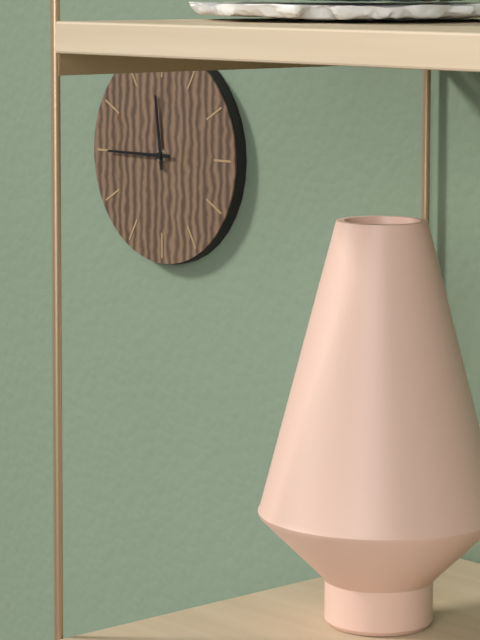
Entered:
11h45
